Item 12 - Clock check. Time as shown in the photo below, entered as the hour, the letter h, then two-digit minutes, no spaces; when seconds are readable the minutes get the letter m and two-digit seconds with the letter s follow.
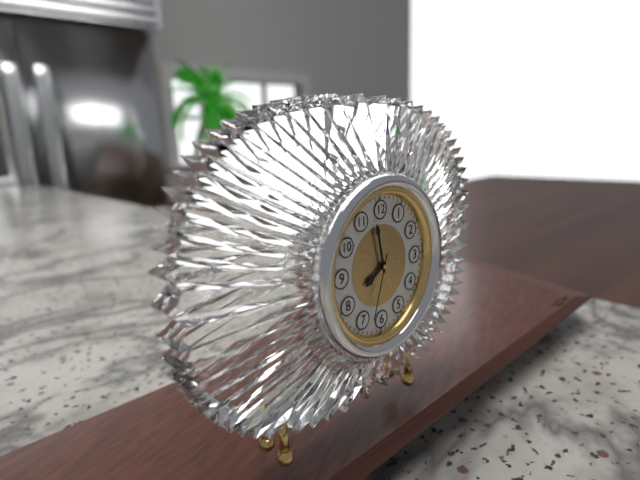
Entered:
7h58m33s
